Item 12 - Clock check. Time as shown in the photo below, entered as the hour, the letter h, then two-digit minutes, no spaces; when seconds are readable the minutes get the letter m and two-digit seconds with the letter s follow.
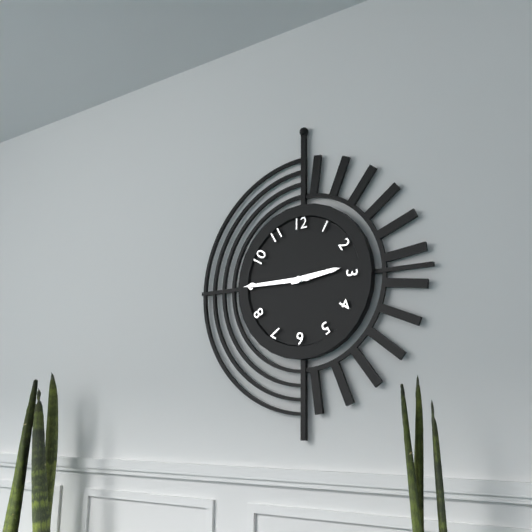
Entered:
2h45
